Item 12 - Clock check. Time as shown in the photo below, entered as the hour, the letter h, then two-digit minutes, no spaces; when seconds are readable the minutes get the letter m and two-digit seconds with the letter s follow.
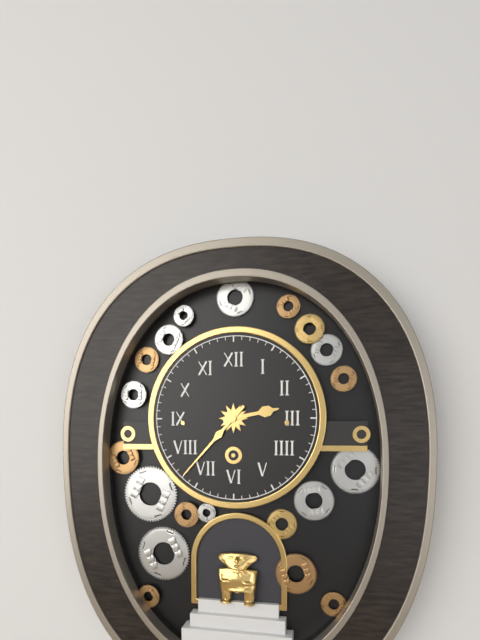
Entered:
2h37
